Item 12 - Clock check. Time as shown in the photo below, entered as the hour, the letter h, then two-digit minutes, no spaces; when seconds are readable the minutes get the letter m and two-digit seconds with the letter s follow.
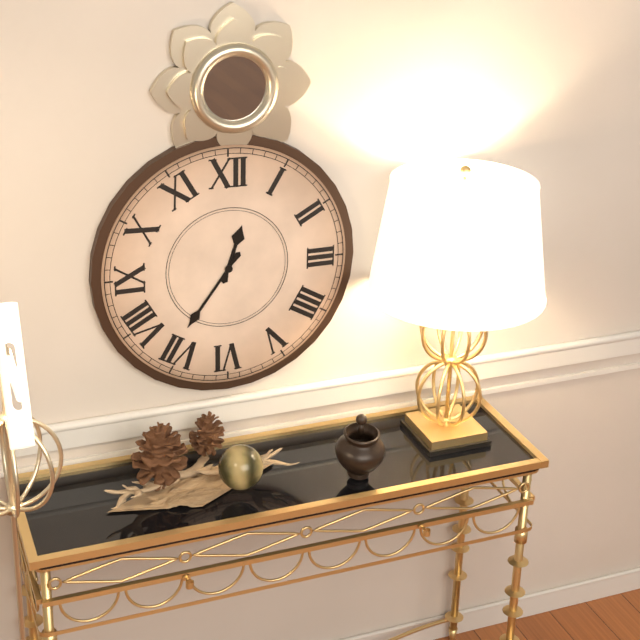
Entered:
12h36
